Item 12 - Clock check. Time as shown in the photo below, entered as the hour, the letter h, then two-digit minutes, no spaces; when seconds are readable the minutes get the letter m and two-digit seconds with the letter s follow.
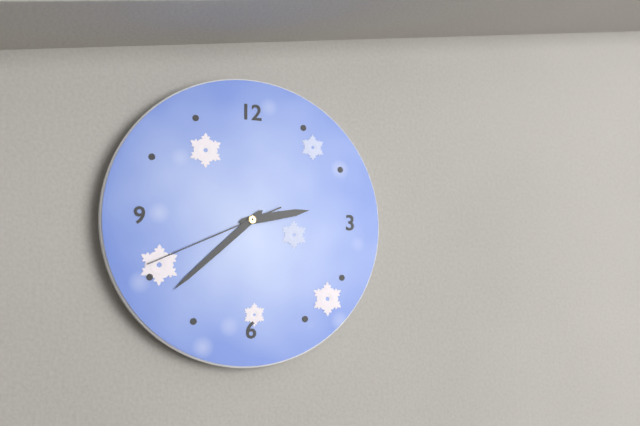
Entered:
2h38m41s
